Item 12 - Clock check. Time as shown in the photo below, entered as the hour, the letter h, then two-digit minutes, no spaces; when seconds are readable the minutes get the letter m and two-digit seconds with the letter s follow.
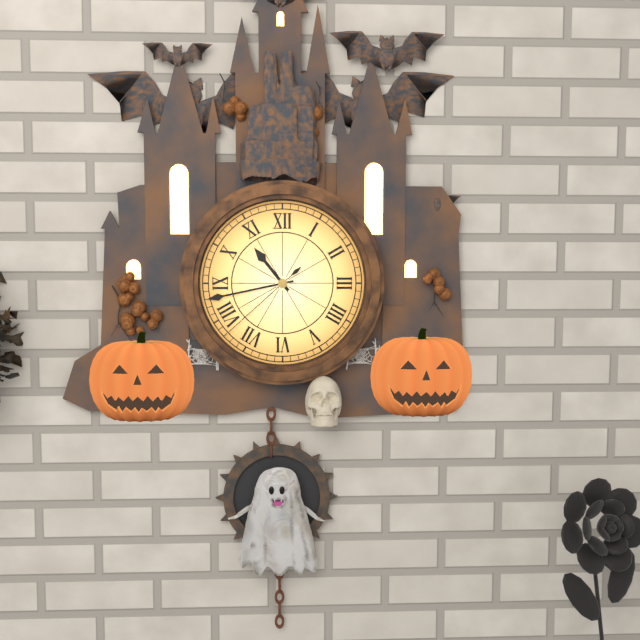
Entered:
10h43m38s
